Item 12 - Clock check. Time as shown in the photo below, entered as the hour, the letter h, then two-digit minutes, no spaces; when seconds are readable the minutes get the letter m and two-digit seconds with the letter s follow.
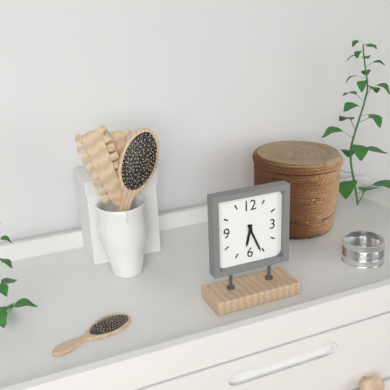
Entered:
6h26
